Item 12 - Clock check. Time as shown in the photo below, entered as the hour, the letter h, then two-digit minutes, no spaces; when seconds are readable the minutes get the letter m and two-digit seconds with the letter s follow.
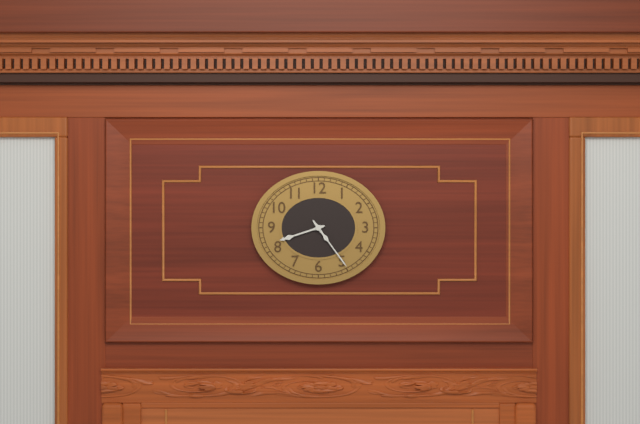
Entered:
8h24
